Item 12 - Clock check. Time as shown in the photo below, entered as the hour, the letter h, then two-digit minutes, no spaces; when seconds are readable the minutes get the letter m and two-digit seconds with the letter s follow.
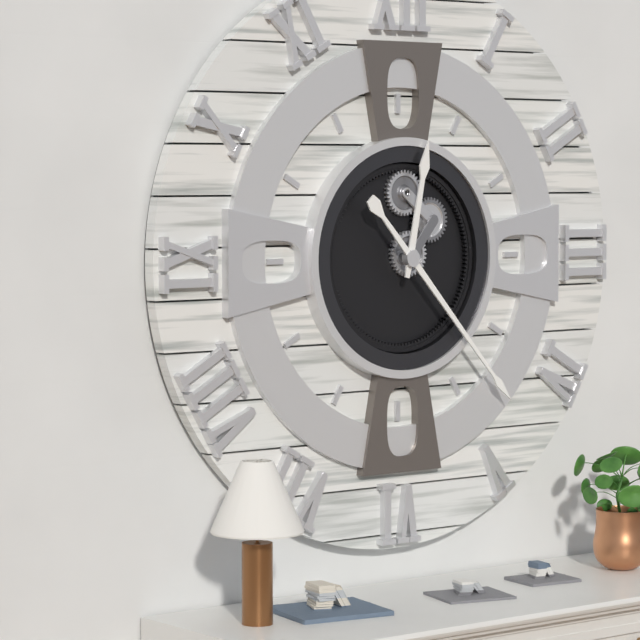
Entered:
12h23
